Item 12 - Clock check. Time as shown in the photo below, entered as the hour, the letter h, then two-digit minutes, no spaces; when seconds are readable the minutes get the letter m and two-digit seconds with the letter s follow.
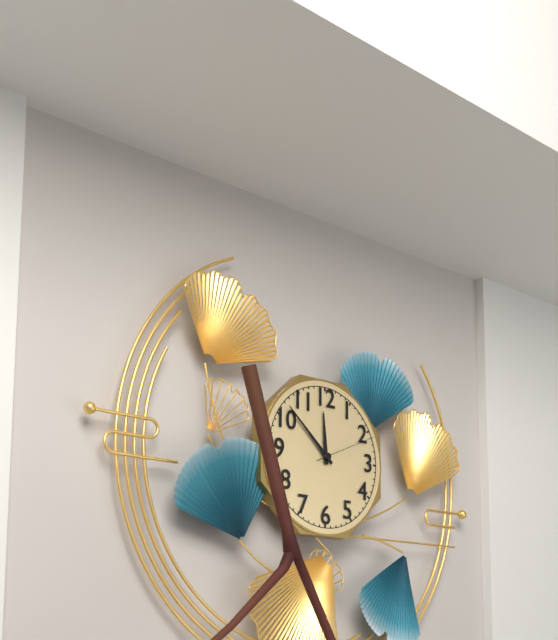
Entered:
11h52m11s
